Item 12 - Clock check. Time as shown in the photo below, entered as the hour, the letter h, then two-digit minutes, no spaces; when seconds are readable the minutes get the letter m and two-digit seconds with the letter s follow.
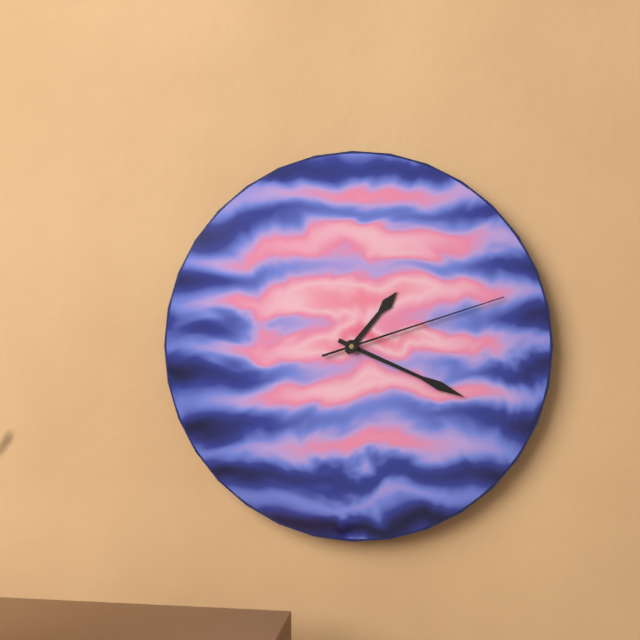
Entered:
1h19m12s
